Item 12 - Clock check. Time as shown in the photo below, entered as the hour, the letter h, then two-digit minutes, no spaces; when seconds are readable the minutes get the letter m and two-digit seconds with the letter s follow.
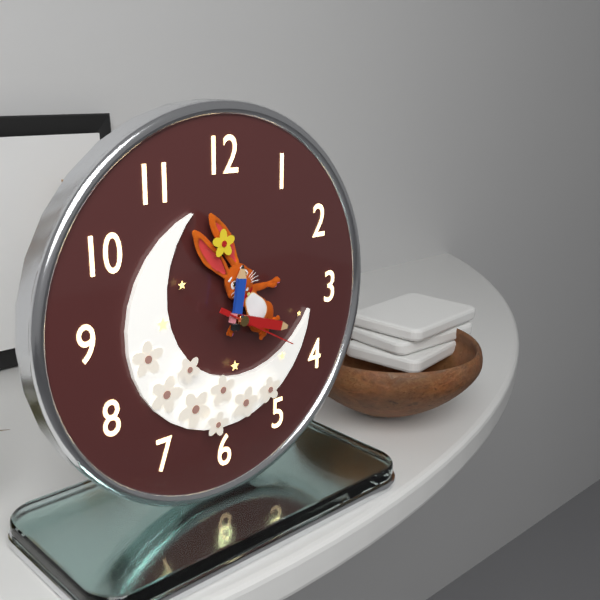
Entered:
12h18m20s
